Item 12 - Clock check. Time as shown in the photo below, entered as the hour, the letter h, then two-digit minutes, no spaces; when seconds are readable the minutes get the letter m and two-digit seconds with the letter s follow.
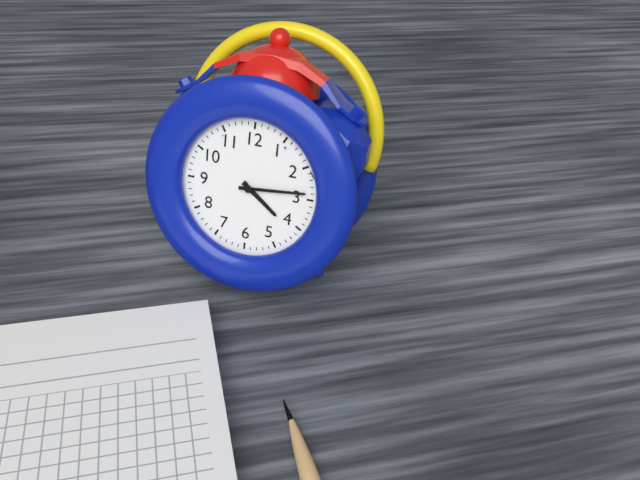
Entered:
4h14
